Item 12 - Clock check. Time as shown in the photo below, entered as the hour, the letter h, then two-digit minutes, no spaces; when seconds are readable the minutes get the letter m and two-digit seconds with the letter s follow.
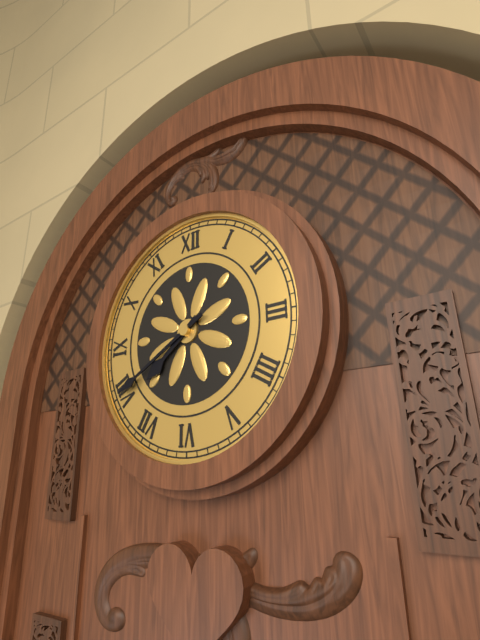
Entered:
7h40
